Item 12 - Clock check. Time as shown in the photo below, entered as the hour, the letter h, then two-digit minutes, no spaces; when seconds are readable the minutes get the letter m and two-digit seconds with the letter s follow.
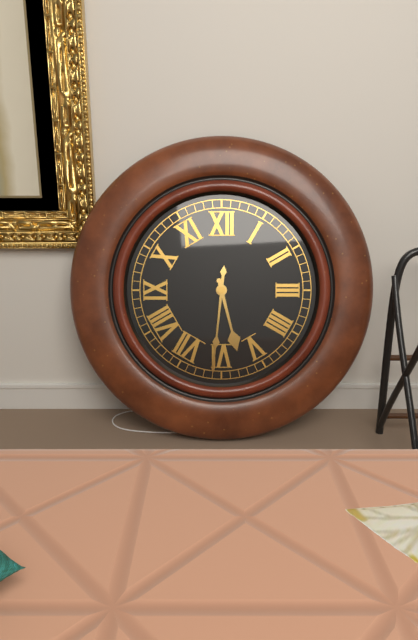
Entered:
5h31
